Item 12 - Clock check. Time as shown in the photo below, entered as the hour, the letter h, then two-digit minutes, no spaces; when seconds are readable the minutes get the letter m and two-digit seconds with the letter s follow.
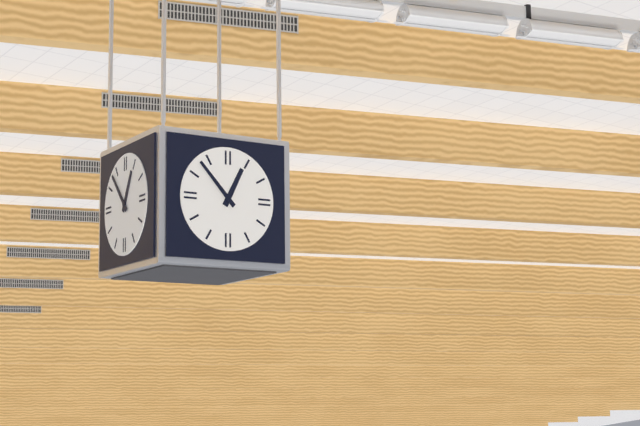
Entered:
12h53
